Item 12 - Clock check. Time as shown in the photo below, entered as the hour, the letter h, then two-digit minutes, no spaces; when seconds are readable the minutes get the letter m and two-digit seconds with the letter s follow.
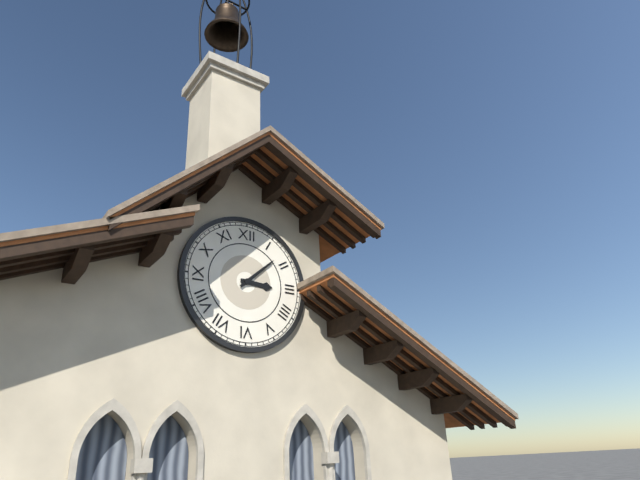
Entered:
3h08
